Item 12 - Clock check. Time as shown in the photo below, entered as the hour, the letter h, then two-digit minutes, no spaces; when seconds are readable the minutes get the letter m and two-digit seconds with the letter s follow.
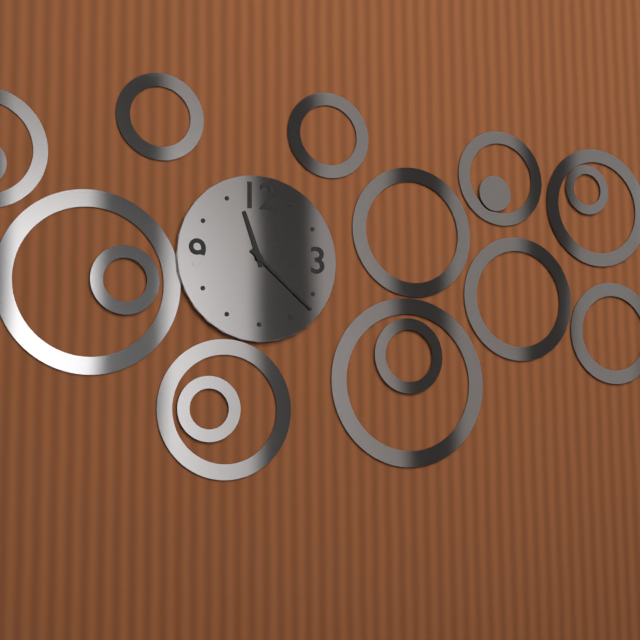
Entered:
11h22
